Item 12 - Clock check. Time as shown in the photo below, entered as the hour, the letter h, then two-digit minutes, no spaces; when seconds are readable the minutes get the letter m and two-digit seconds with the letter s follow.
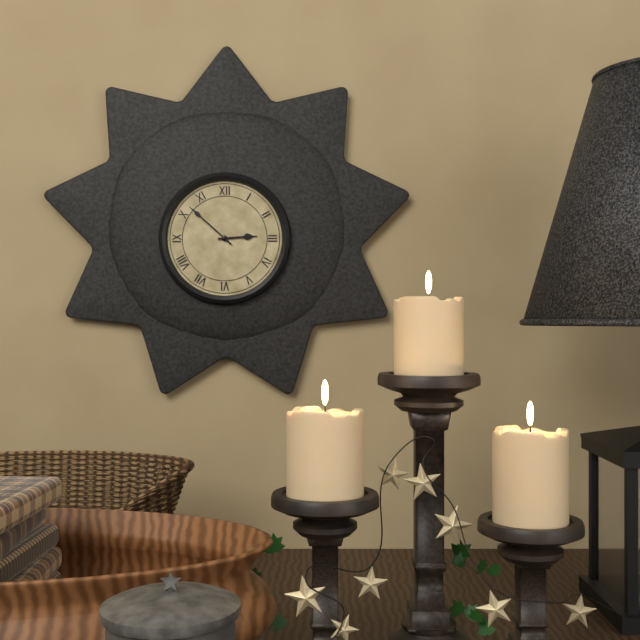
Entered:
2h52
